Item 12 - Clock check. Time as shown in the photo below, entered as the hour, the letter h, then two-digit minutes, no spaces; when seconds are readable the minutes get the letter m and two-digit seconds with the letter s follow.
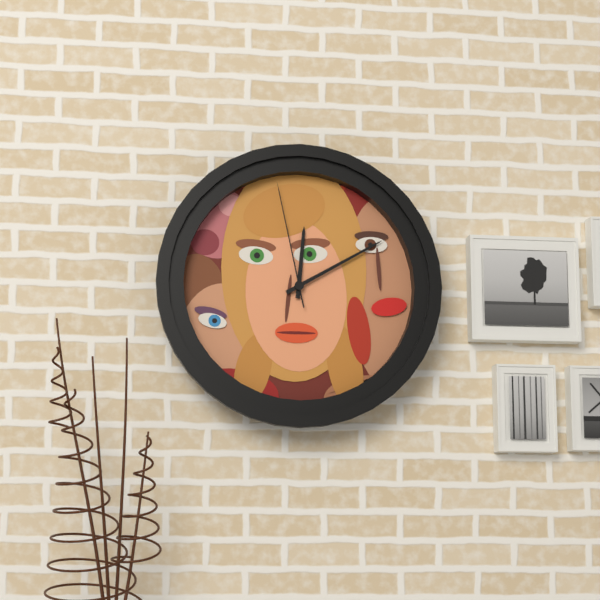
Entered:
12h10m58s
